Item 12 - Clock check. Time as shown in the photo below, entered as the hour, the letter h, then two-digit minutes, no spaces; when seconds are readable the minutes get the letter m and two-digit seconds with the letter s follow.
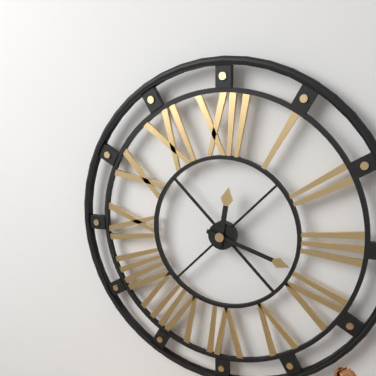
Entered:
12h18
